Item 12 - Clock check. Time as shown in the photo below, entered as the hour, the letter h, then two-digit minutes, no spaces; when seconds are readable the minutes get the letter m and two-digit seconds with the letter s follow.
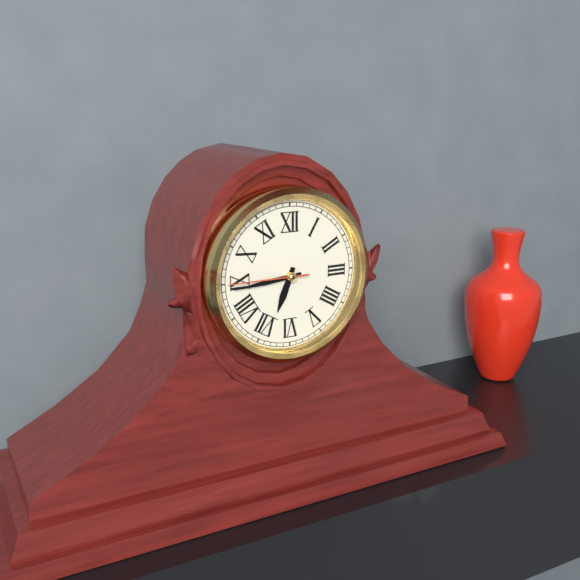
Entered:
6h44m45s
